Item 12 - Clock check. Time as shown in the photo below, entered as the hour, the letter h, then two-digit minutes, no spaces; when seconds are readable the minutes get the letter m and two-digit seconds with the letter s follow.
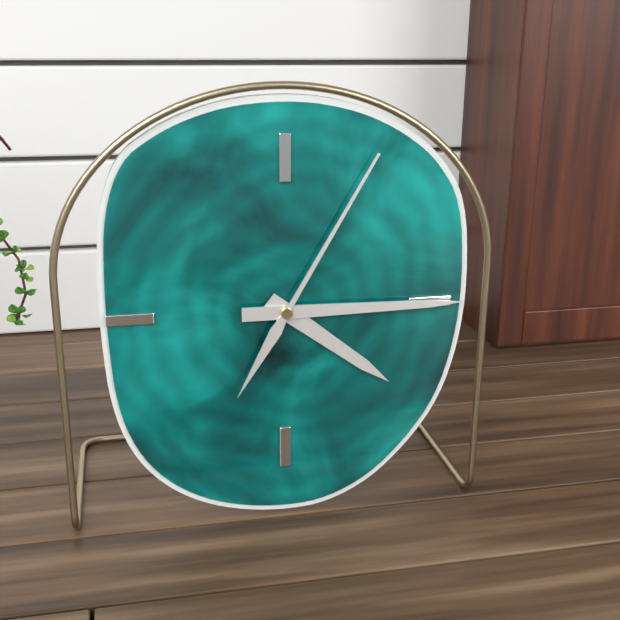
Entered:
4h15m05s
